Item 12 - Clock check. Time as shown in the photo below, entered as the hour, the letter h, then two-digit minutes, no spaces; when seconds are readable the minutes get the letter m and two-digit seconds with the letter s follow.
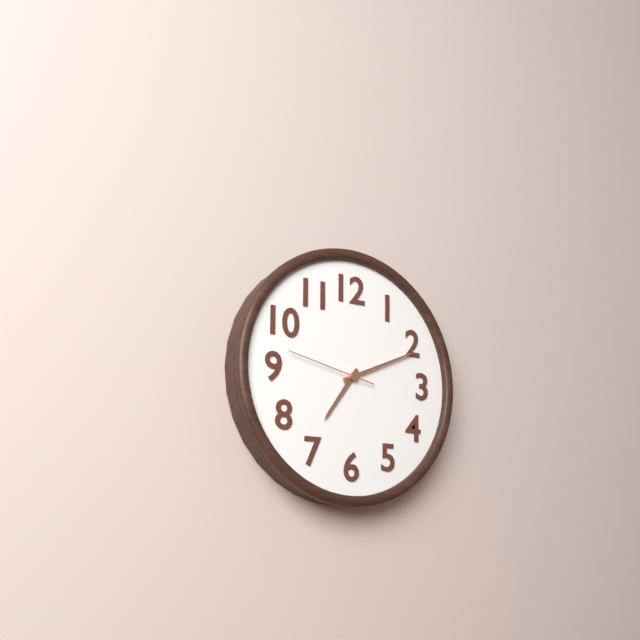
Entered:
7h11m47s
